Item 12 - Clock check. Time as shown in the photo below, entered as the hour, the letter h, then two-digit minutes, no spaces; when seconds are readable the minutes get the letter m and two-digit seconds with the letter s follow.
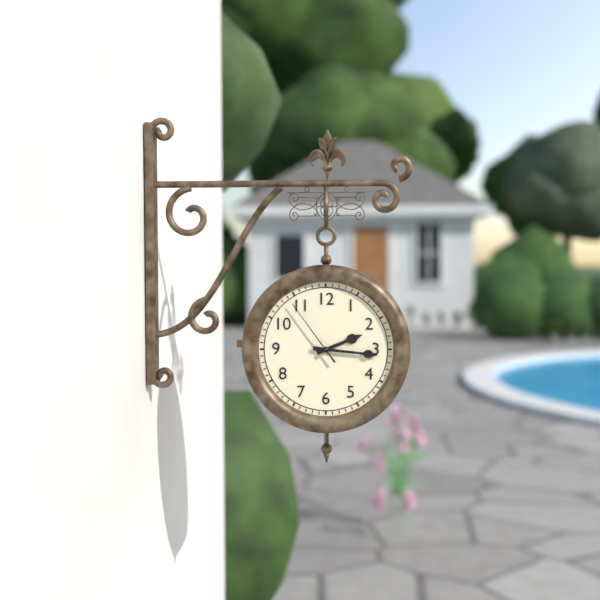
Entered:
2h16m54s
